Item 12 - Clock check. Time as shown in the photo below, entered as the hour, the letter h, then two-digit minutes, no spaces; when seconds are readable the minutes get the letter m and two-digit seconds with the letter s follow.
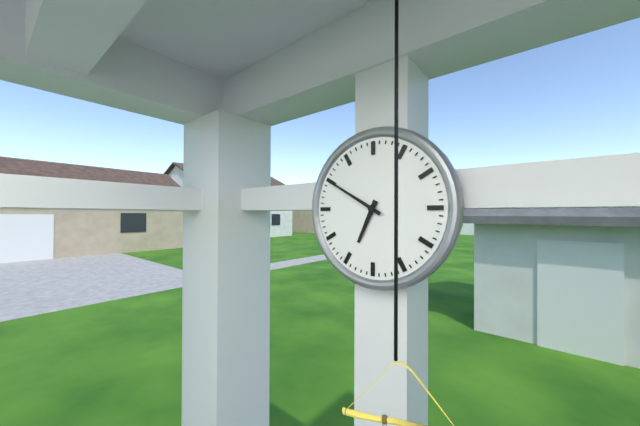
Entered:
6h50
